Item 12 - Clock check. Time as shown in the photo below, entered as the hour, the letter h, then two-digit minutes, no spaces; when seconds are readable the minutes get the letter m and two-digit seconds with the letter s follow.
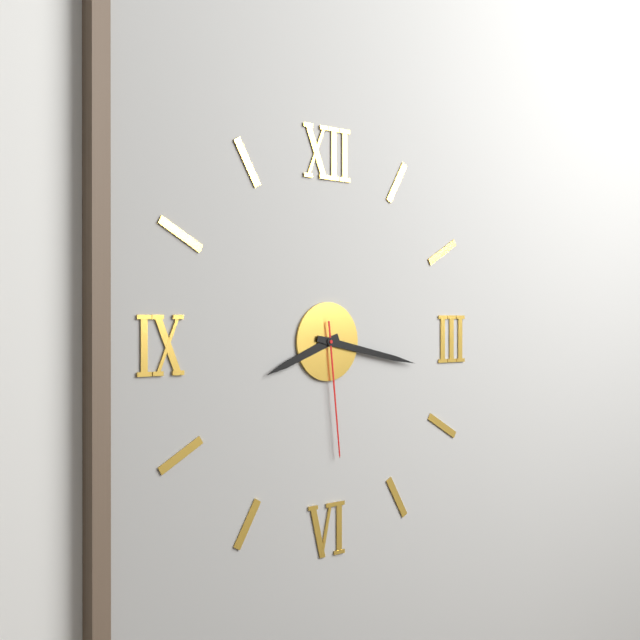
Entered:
8h17m29s
